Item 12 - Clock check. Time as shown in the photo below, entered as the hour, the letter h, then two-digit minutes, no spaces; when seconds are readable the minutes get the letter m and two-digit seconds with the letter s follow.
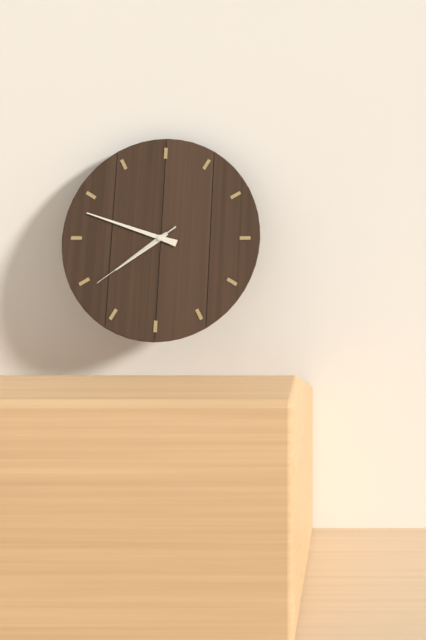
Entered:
7h48m39s
